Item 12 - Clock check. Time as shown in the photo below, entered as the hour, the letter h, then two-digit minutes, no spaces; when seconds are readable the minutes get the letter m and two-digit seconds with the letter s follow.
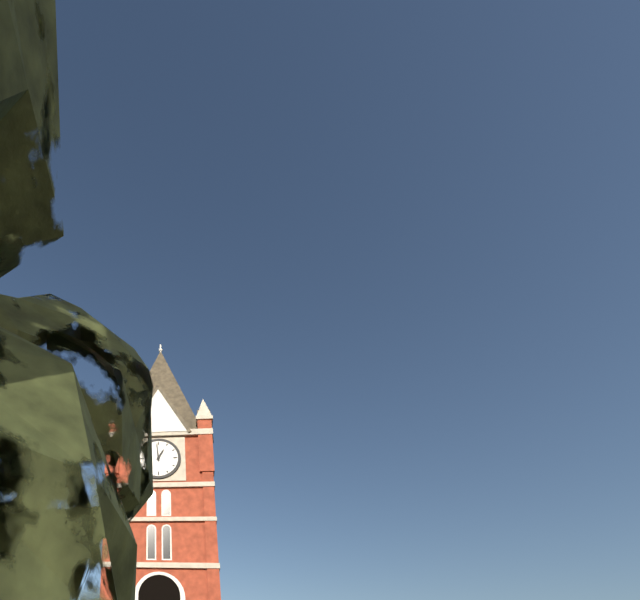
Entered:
12h59
